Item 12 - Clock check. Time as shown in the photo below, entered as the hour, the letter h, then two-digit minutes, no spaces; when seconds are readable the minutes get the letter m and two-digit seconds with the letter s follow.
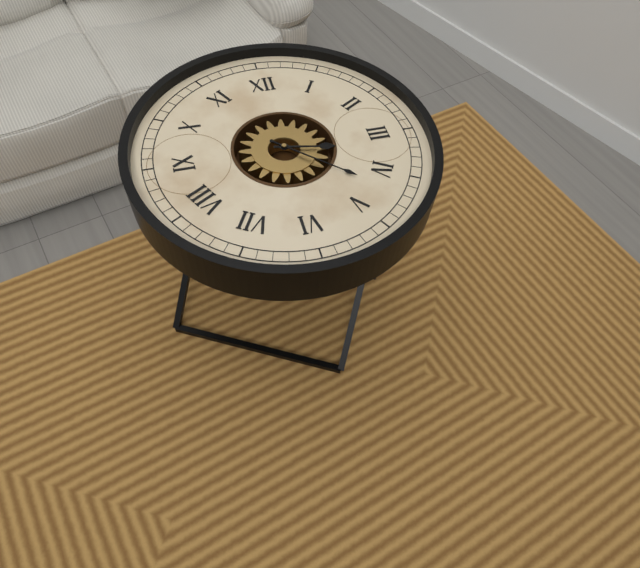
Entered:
3h22
